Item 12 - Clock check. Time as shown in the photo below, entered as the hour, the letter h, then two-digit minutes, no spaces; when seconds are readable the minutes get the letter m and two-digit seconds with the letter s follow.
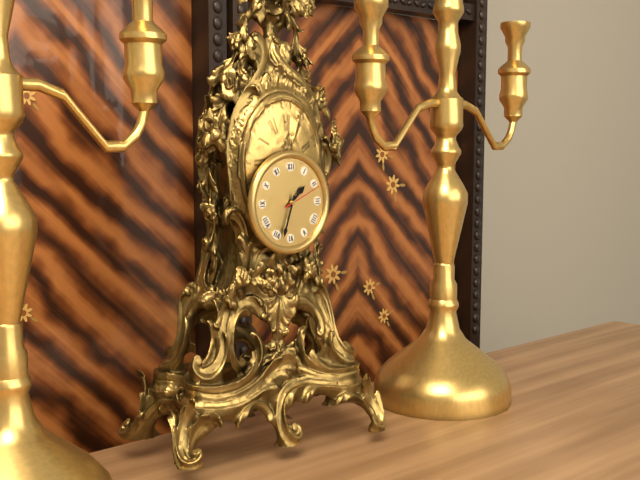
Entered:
1h33
